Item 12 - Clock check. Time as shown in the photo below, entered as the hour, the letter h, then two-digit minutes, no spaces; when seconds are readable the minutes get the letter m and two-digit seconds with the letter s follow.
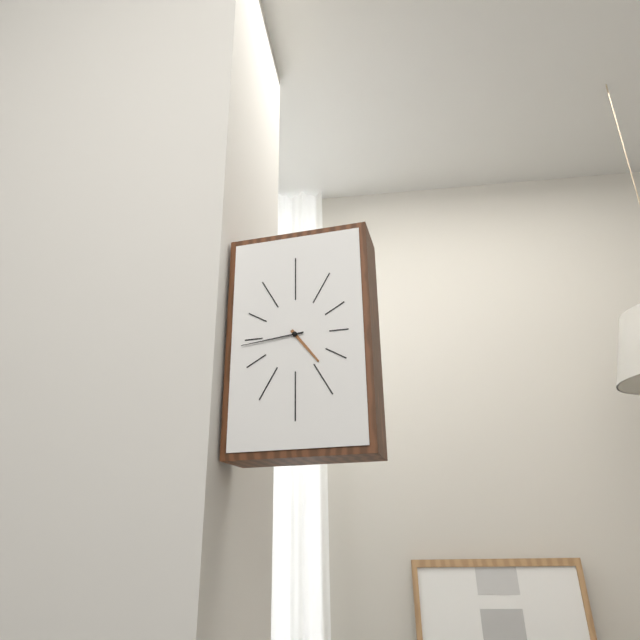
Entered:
4h44
